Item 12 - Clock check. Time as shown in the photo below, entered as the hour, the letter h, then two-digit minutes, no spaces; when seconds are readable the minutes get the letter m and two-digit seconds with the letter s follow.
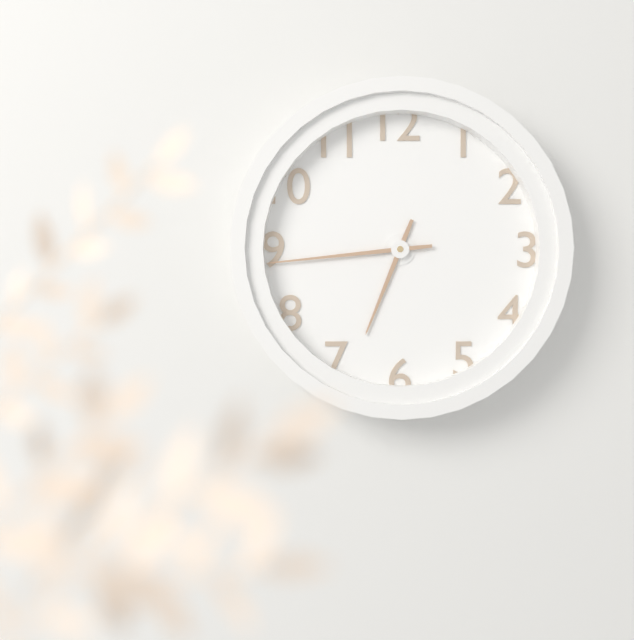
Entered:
6h44
